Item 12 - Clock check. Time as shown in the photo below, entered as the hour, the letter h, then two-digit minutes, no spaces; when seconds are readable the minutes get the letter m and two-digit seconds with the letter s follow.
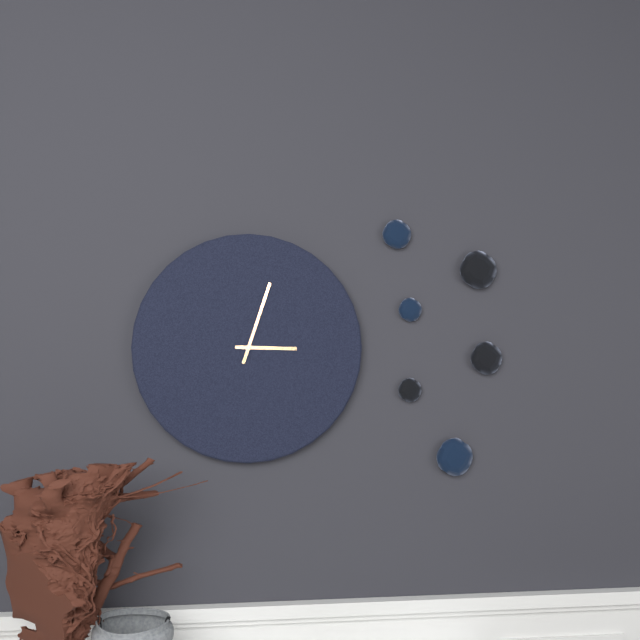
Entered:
3h03
